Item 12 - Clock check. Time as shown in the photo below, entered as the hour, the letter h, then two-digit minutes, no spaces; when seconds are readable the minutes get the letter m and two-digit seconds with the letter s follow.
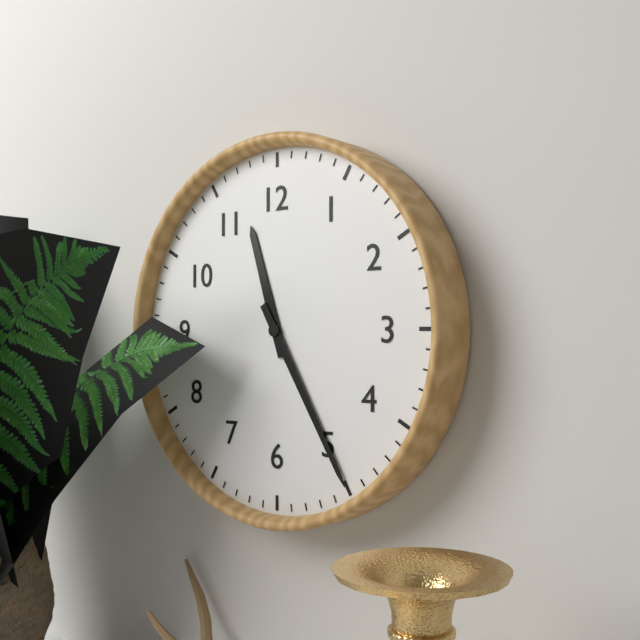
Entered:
11h25
